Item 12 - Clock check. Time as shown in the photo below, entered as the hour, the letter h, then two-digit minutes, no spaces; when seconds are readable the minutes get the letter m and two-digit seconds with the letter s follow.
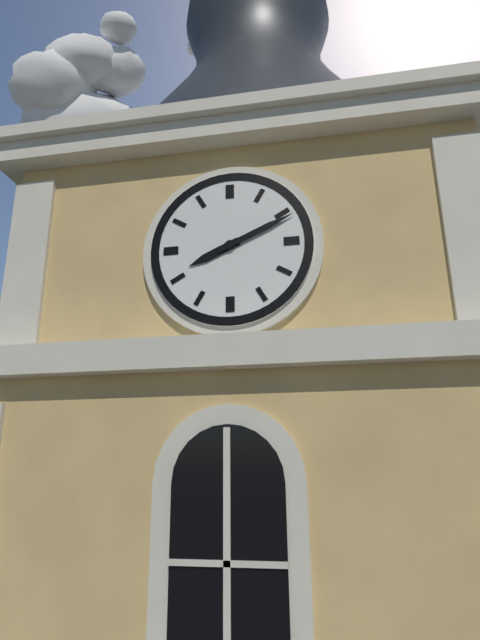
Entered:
8h11
